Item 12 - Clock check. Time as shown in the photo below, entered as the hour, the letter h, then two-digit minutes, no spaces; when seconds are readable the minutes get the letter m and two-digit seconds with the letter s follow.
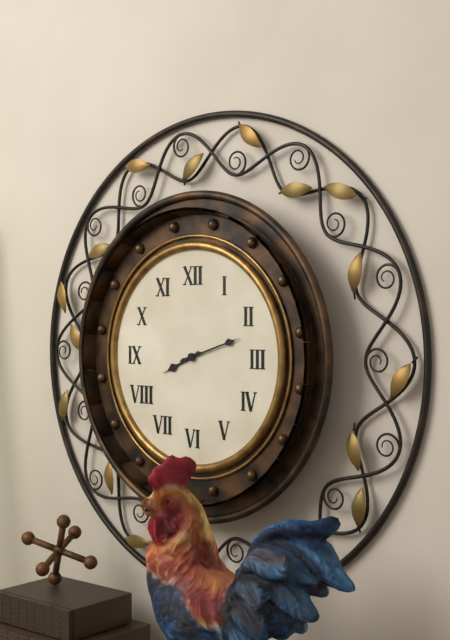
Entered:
8h12
